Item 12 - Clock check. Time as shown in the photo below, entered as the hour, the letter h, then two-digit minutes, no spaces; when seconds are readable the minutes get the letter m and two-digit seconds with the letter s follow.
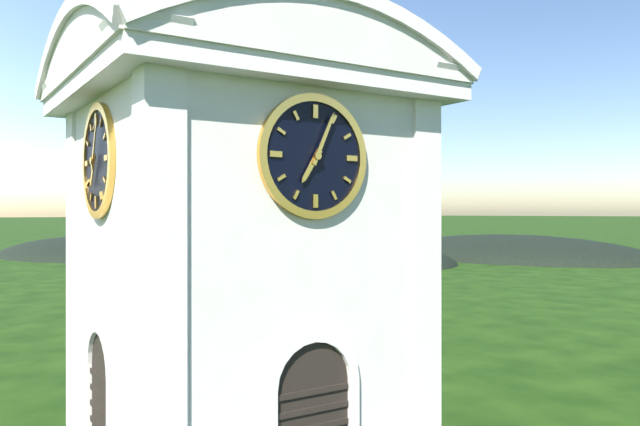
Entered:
7h04
